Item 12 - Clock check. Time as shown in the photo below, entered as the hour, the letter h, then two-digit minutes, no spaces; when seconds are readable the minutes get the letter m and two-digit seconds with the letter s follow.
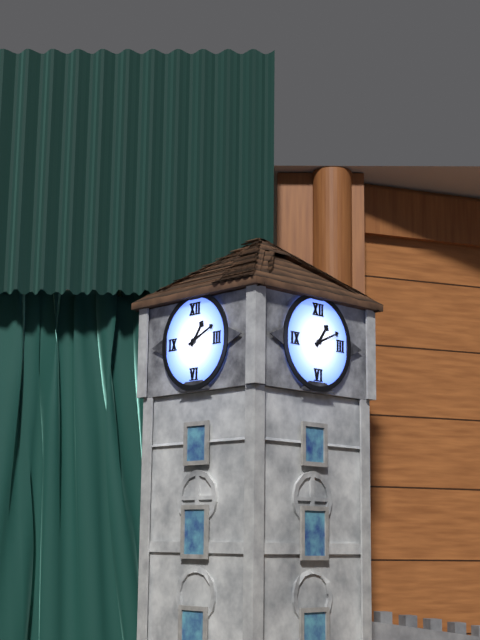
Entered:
1h11
